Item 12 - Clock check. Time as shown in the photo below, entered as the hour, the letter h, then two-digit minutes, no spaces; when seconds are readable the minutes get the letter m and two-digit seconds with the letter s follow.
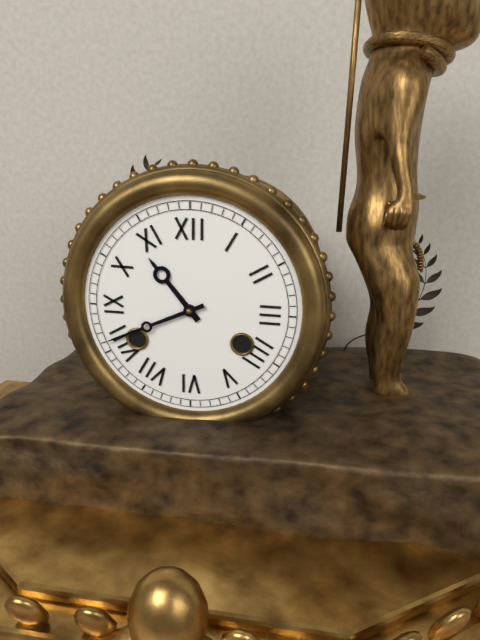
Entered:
10h41
